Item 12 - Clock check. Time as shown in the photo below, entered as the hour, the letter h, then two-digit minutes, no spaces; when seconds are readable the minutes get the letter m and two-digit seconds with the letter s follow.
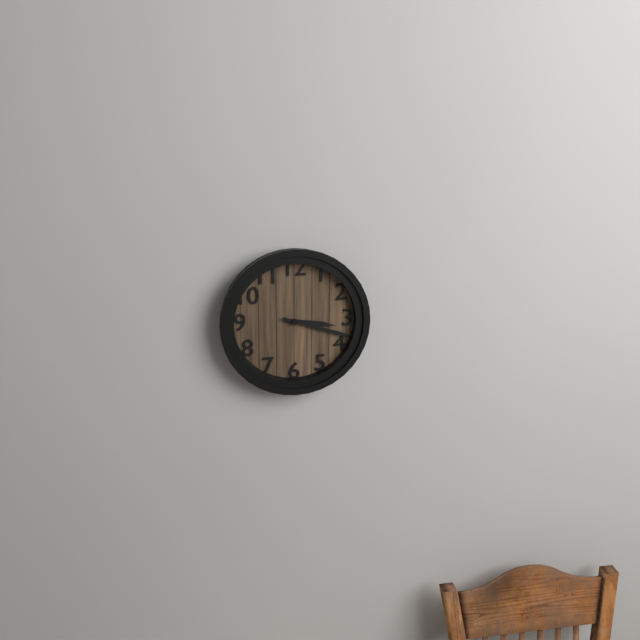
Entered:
3h18
